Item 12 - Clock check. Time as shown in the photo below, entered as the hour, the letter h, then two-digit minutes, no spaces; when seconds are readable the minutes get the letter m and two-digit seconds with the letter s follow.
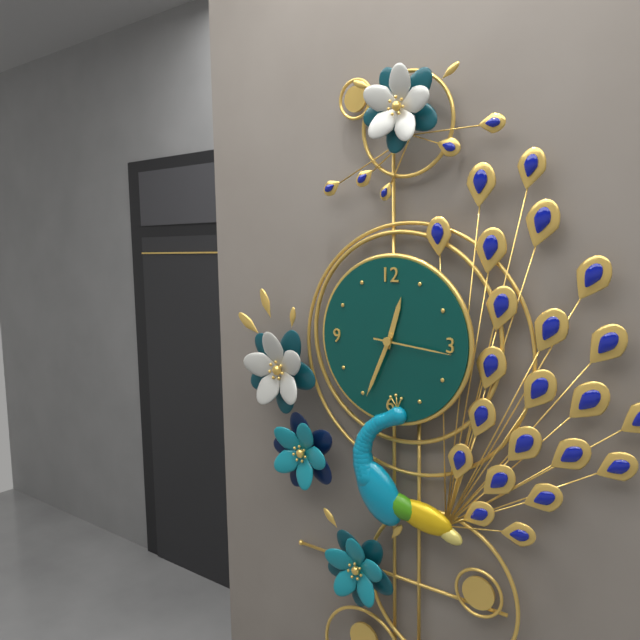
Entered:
12h34m16s
